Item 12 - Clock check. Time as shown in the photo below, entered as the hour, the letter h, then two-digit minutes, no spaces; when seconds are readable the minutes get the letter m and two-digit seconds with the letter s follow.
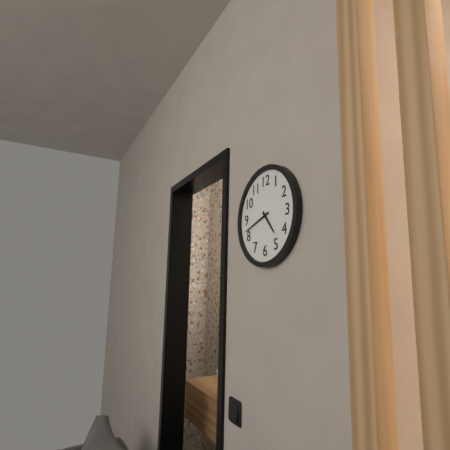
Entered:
4h42
